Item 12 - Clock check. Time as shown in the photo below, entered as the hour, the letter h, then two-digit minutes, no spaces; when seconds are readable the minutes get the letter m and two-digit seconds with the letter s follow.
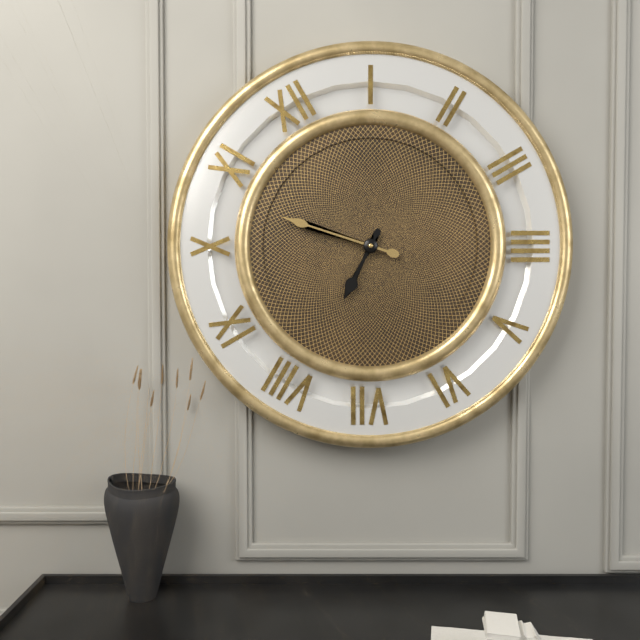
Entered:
7h53
